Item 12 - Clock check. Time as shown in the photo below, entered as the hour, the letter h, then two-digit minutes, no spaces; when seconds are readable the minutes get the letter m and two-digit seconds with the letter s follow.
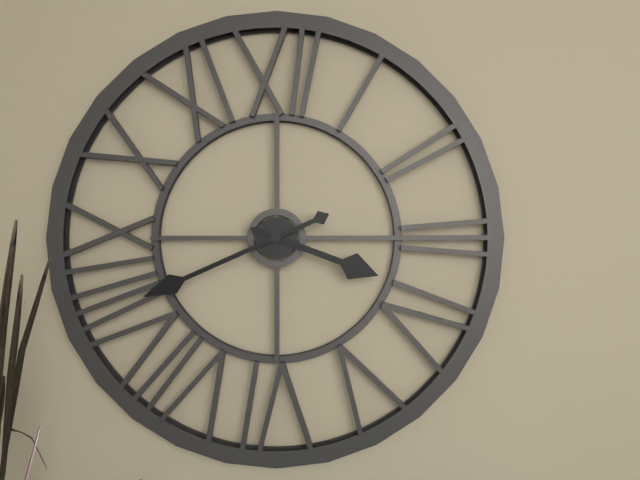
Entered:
3h41
